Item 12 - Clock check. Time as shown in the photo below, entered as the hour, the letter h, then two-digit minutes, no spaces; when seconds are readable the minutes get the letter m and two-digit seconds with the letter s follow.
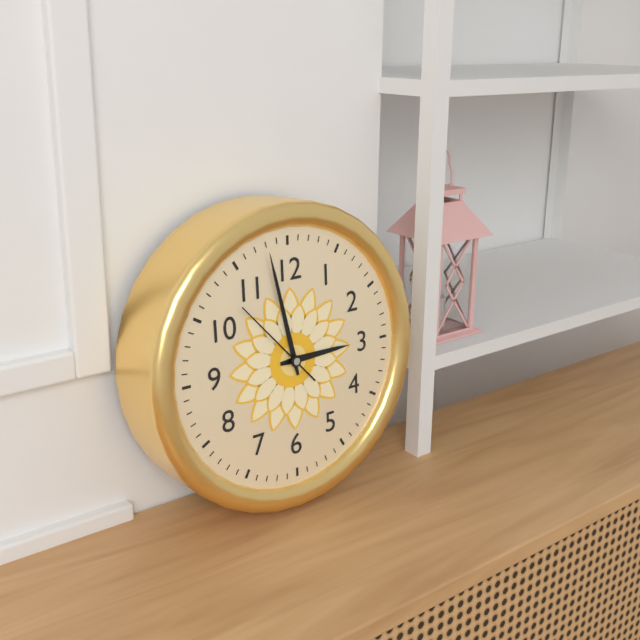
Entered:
2h58m53s
